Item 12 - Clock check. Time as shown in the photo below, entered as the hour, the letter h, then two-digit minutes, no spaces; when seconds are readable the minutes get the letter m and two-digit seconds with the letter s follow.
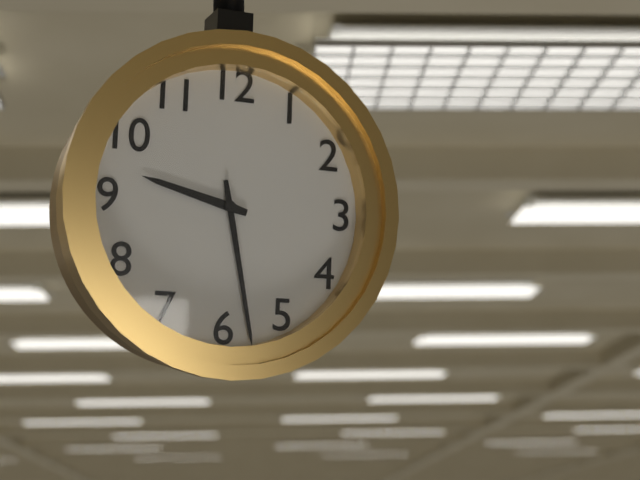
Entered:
9h28
